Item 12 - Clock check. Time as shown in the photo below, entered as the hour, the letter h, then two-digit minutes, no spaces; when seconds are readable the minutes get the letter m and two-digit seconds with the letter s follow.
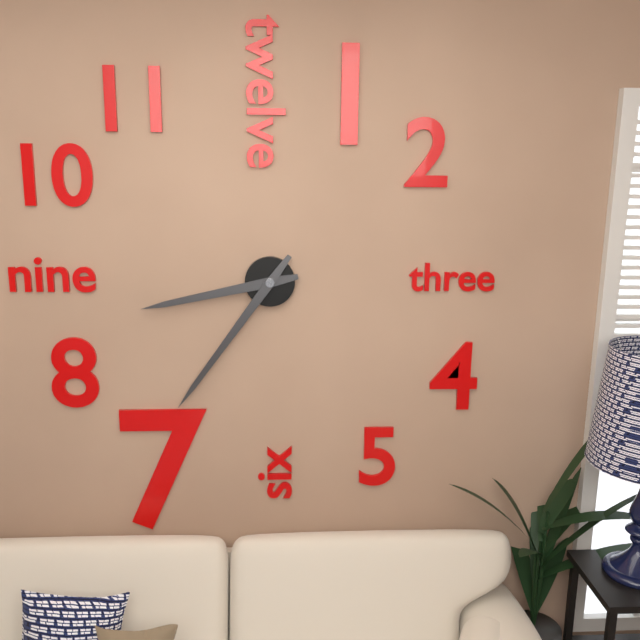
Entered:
8h36
